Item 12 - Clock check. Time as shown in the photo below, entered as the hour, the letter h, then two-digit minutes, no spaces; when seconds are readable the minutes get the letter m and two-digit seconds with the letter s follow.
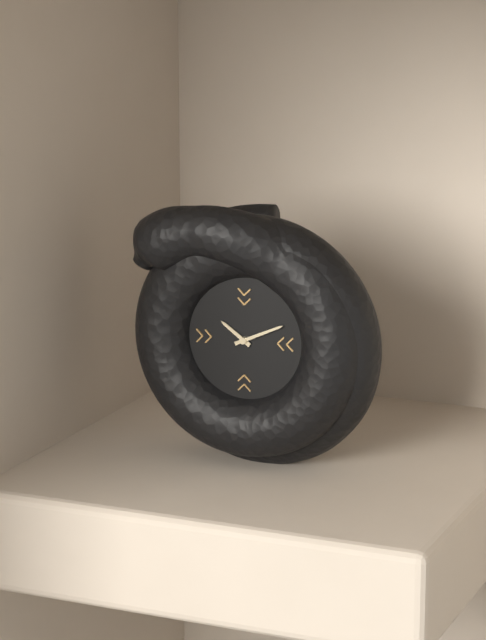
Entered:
10h11
